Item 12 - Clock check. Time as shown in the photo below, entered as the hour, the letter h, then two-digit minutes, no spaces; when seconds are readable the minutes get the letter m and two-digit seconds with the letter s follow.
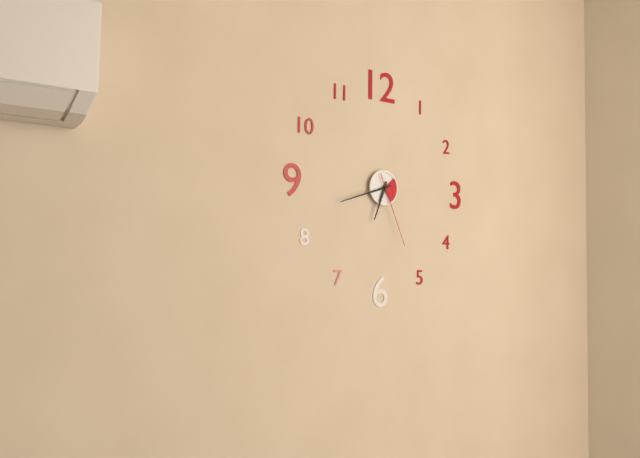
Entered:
6h42m26s
